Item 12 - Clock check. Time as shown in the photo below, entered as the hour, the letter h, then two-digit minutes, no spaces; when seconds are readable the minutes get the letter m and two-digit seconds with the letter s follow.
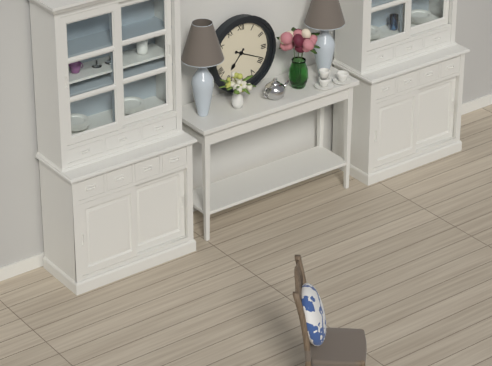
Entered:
7h19
